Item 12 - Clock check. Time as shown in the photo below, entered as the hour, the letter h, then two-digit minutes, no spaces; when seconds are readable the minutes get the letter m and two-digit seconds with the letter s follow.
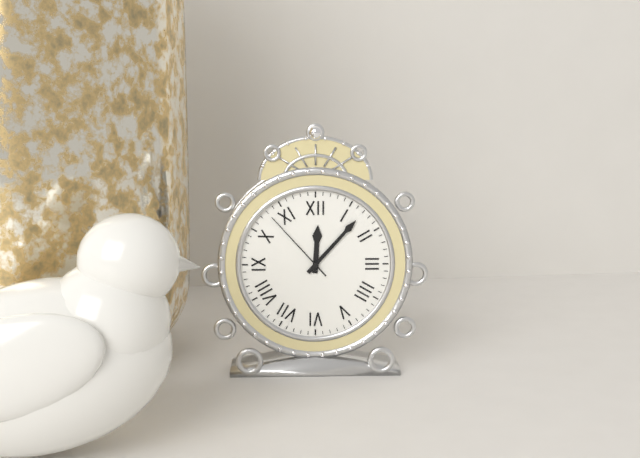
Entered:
12h07m53s
